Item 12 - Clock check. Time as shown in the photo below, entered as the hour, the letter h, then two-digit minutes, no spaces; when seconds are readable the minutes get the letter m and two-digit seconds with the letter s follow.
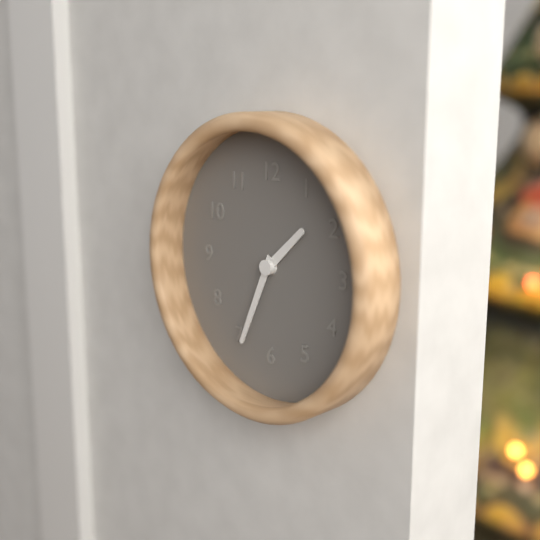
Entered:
1h34
